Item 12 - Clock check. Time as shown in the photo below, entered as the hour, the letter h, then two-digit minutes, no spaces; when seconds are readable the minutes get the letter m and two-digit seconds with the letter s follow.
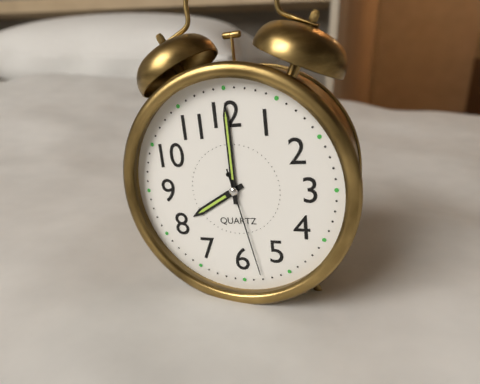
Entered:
8h00m28s
